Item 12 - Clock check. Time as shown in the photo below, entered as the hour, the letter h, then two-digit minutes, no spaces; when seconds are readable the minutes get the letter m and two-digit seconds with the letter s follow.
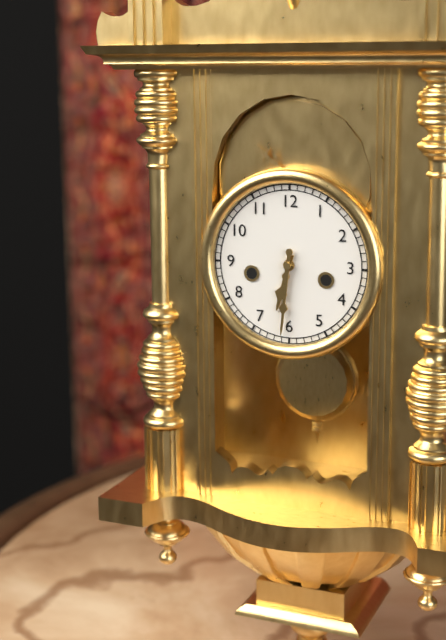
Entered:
6h31
